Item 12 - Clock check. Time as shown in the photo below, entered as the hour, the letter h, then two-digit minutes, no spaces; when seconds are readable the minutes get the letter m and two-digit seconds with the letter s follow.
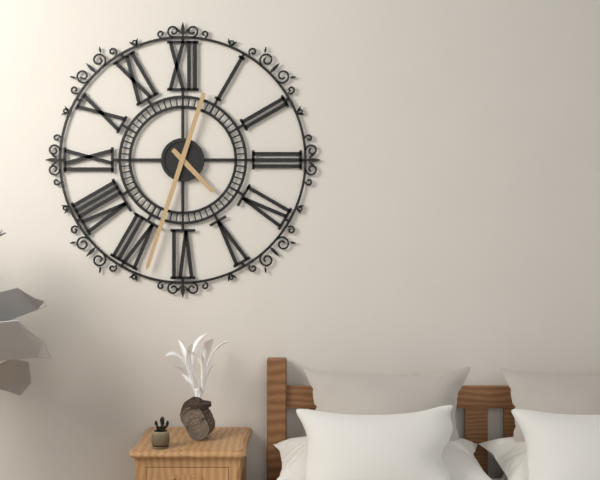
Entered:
4h33
